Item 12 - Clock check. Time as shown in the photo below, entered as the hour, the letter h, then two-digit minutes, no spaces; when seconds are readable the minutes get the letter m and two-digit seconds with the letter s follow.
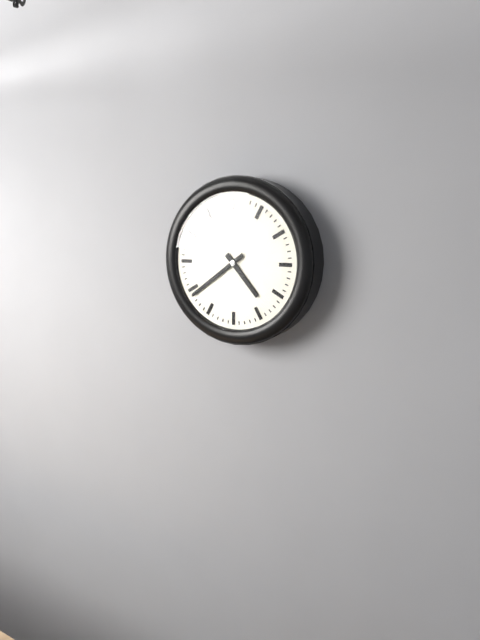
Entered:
4h39
